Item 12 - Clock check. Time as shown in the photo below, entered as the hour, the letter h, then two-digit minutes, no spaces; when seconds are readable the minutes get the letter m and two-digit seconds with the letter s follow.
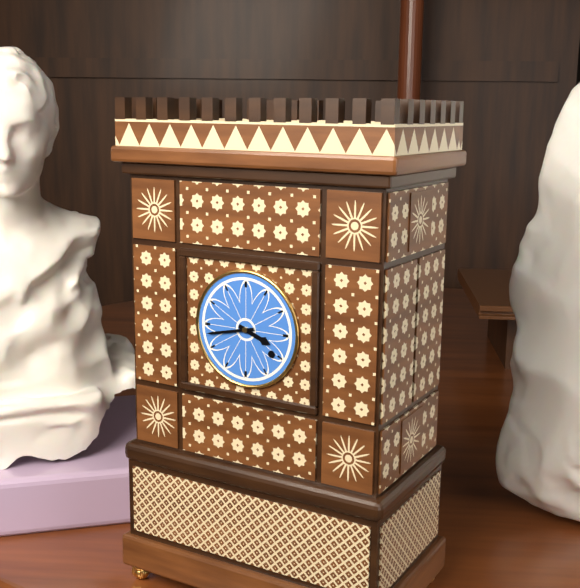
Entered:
3h43
